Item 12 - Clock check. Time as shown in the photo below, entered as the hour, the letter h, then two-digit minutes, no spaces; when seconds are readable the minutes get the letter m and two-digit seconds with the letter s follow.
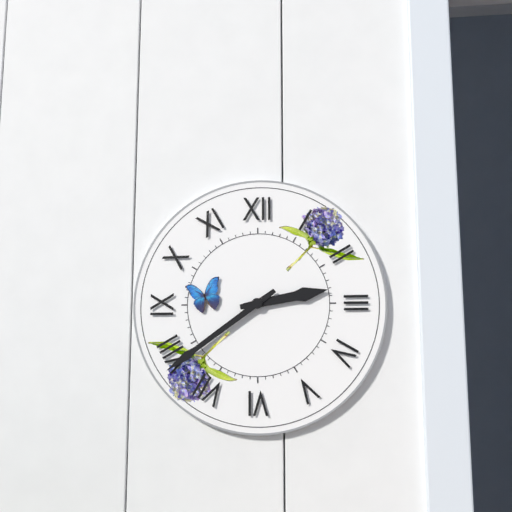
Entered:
2h39
